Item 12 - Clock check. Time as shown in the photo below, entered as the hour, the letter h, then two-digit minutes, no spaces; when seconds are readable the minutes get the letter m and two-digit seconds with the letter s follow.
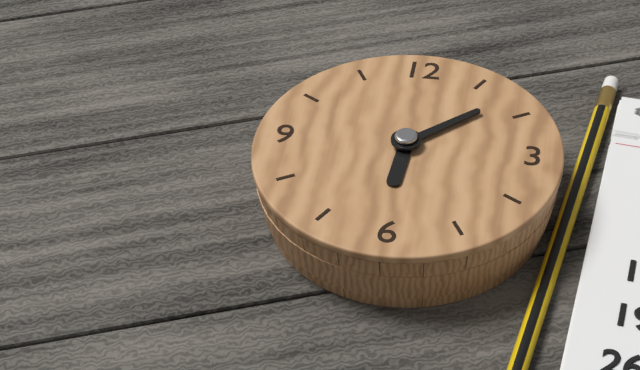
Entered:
6h08
